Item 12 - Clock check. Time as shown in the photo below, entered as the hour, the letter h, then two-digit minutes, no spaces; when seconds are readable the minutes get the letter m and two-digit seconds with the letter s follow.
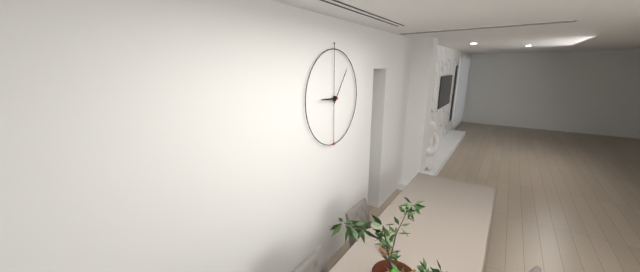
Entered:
9h06
